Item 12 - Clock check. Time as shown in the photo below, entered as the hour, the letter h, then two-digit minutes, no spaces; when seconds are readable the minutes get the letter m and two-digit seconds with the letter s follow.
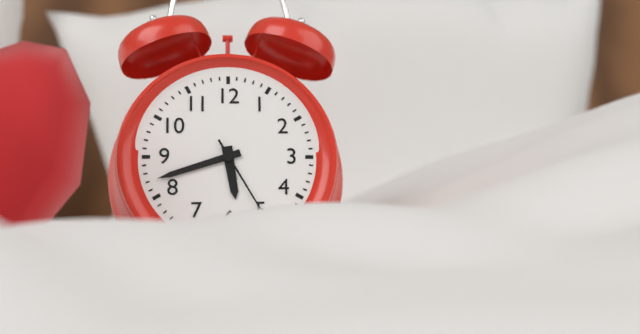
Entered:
5h42m25s
